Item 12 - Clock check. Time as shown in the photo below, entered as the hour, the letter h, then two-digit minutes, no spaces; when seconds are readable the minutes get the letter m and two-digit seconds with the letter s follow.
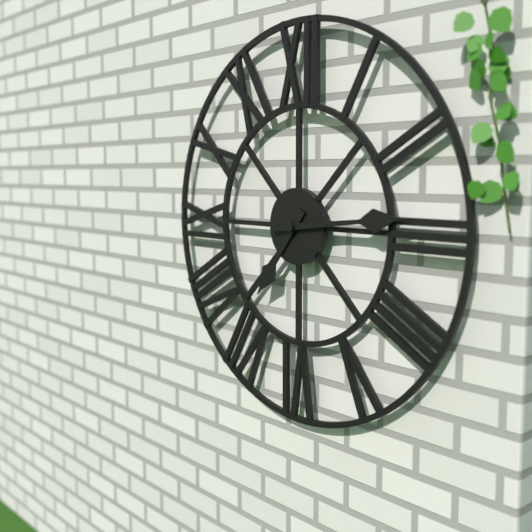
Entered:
7h14
